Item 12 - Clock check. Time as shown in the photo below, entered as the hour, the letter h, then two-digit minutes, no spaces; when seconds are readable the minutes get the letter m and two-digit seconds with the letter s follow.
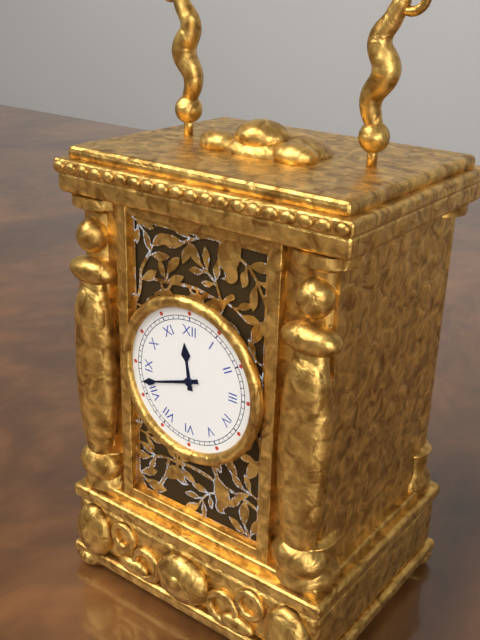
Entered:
11h42
